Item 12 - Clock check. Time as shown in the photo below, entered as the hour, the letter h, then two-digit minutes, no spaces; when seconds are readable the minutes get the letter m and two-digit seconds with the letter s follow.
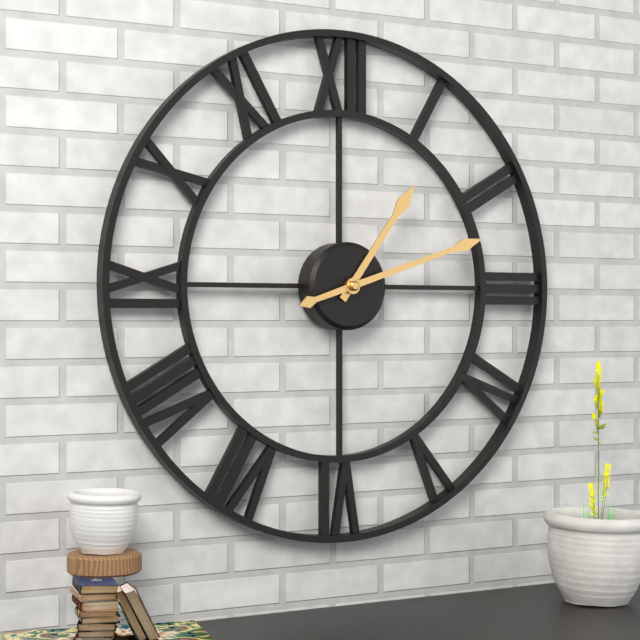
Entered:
1h12
